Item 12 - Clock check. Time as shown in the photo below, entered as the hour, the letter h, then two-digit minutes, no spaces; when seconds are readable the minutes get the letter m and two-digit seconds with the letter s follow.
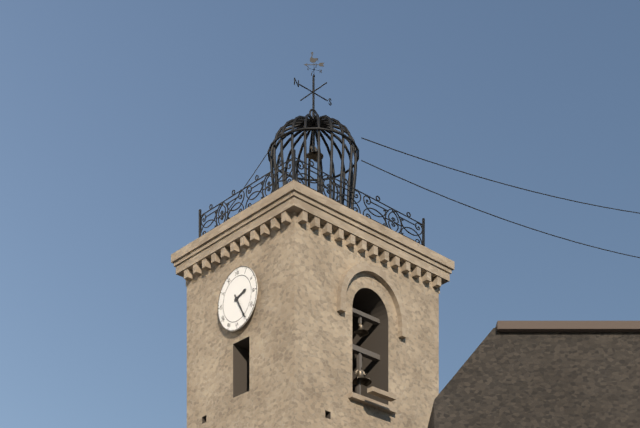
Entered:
2h25
